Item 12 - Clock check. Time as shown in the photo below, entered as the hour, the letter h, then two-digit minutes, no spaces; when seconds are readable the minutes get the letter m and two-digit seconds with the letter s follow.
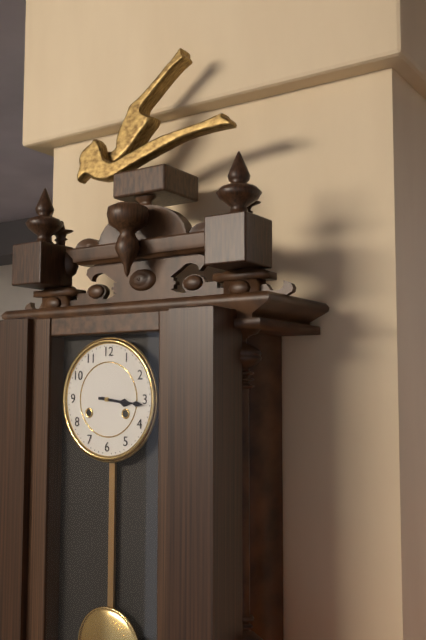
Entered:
3h16
